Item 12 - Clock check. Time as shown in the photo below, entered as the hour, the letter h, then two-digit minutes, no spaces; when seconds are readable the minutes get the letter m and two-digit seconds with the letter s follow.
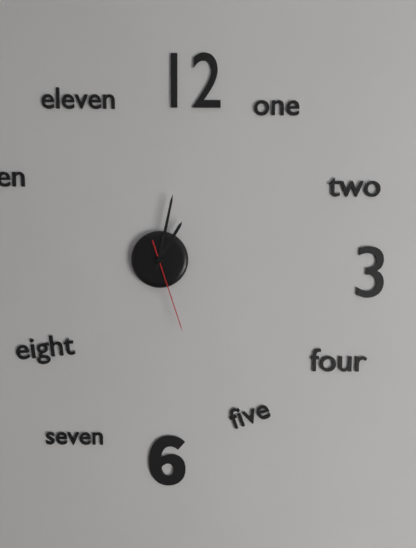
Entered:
1h02m27s
